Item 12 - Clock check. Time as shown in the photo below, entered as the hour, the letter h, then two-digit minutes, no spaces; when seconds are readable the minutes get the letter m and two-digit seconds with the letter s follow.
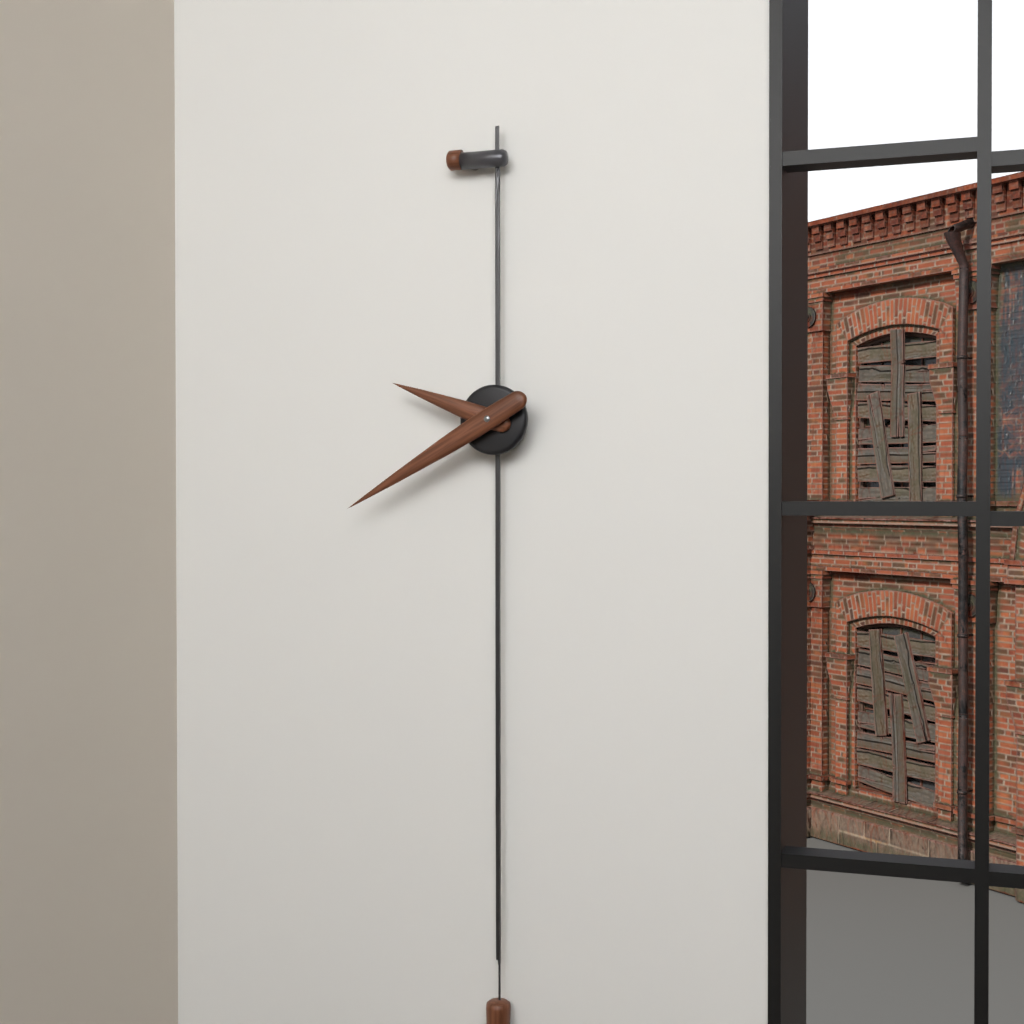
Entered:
9h40
